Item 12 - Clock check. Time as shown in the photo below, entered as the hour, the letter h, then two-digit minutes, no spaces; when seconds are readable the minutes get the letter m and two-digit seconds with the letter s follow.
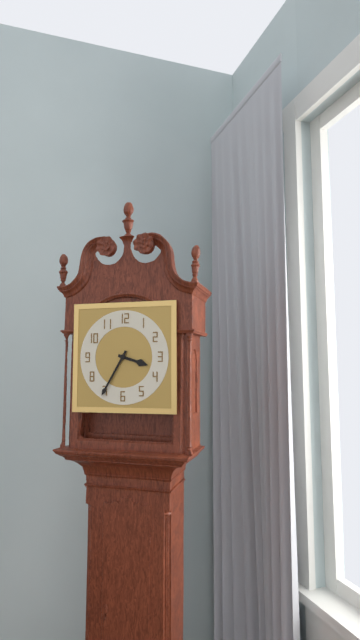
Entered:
3h35
